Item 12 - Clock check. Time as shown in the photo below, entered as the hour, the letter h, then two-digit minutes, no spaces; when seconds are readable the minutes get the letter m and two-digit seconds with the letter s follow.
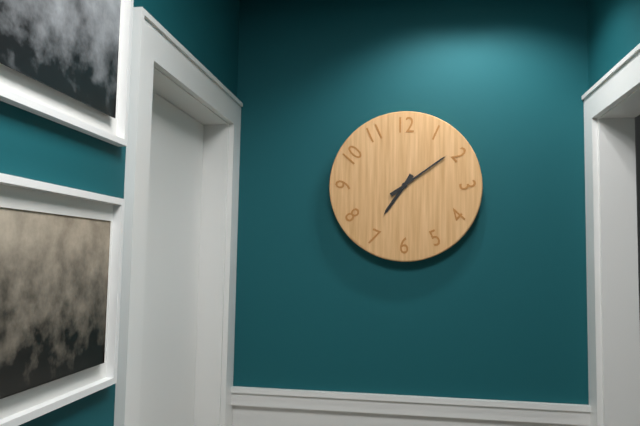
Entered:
7h09
